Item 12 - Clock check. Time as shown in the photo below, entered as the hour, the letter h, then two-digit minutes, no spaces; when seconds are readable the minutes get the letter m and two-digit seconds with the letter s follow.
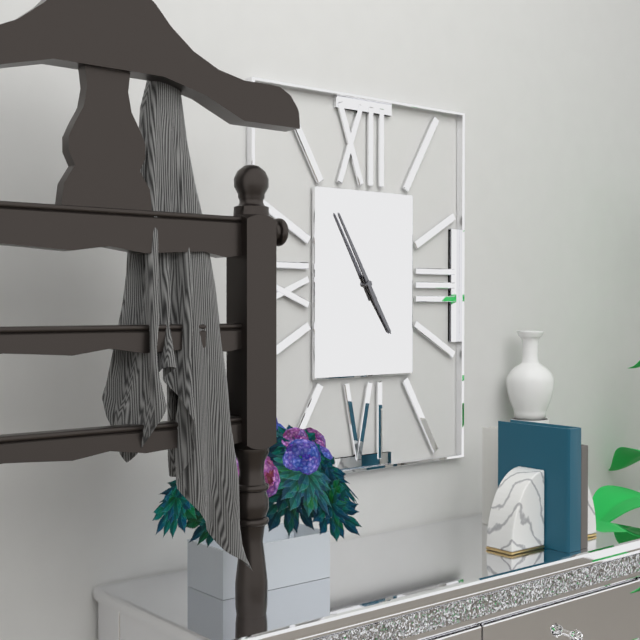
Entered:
4h55
